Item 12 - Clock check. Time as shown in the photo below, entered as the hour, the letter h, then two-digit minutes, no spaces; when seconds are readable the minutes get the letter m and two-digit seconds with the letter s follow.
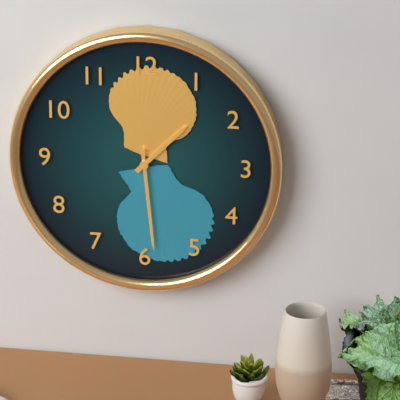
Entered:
1h29
